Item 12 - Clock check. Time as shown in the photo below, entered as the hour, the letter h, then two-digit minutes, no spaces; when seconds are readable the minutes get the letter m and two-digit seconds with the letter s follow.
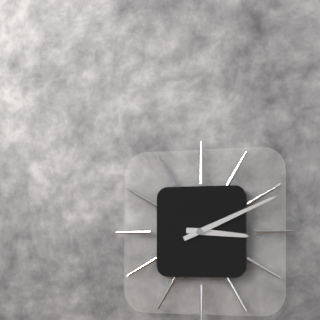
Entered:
3h11
